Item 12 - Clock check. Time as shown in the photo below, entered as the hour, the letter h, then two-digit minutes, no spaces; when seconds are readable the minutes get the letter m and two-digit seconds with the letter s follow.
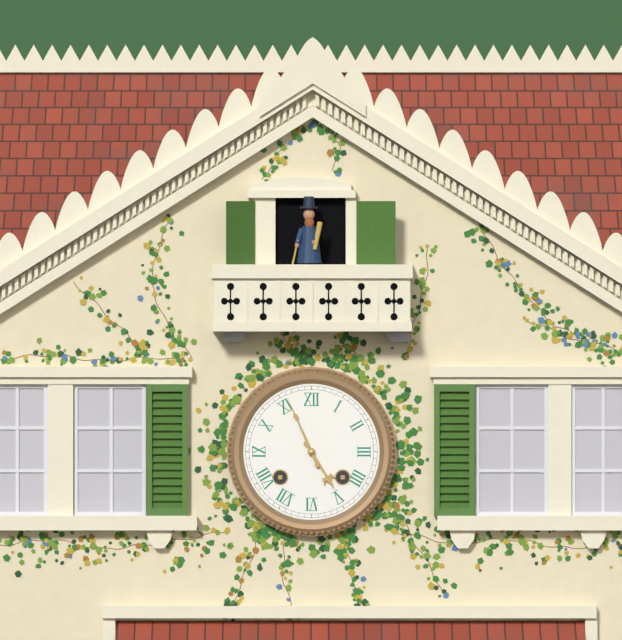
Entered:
4h56
